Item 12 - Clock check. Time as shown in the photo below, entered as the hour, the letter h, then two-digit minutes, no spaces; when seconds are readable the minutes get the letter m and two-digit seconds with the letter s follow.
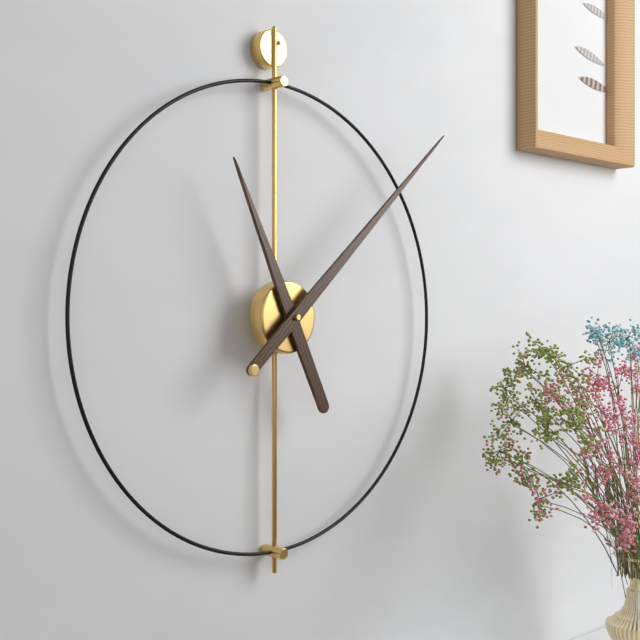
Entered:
11h08
